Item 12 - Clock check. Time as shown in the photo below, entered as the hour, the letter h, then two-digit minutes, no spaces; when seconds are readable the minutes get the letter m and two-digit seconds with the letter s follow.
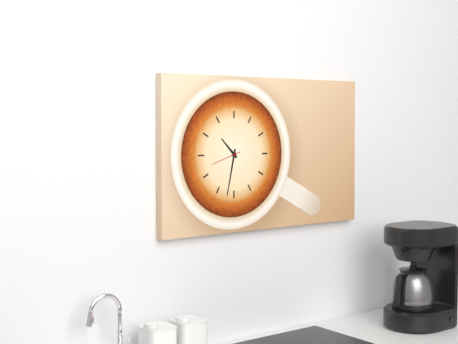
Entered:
10h32
